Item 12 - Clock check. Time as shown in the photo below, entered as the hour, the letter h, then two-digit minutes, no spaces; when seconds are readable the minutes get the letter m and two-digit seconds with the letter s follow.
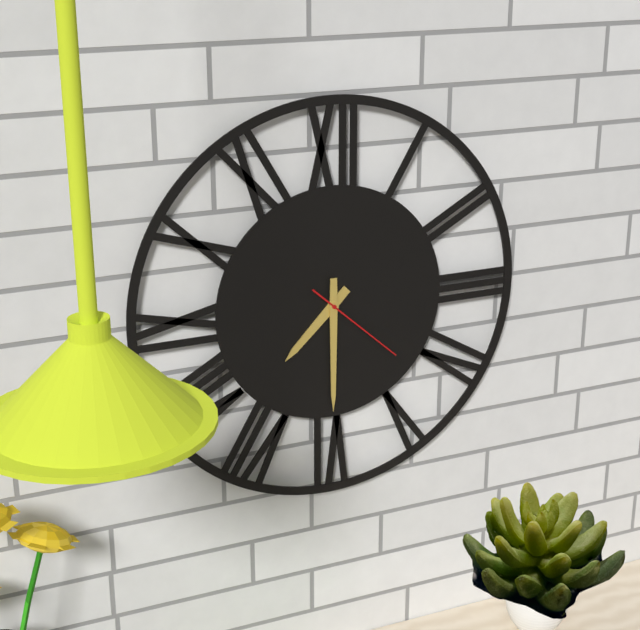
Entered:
7h30m22s
